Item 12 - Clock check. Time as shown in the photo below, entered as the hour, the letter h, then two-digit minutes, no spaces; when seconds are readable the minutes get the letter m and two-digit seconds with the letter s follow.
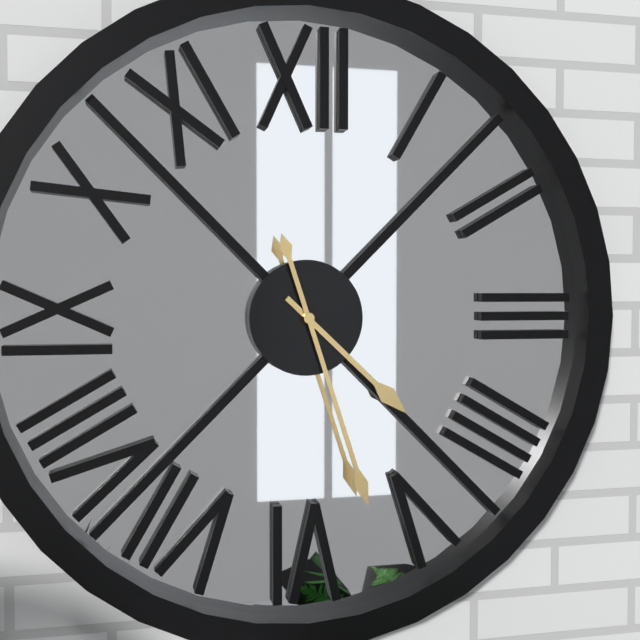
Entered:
4h27
